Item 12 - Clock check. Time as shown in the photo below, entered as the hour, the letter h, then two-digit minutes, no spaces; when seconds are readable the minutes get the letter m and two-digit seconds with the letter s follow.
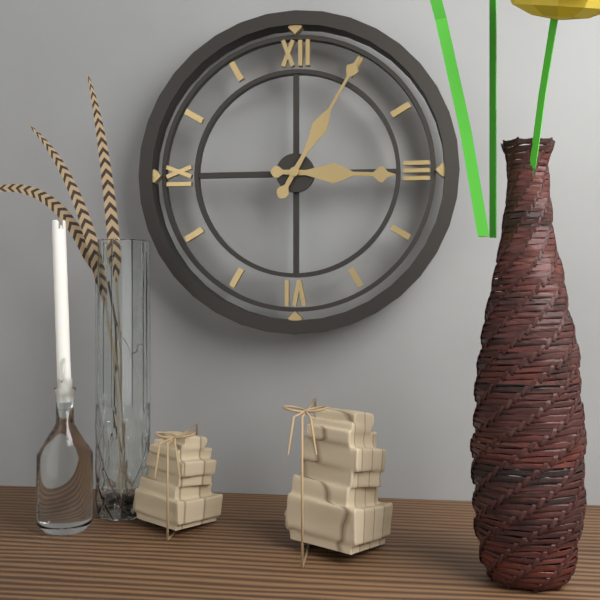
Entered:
3h05
